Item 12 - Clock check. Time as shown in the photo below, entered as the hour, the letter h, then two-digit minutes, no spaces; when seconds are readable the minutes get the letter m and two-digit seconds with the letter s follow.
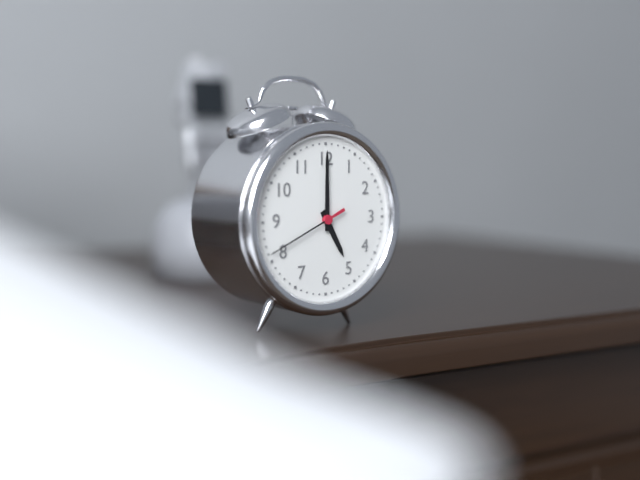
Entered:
5h00m41s
